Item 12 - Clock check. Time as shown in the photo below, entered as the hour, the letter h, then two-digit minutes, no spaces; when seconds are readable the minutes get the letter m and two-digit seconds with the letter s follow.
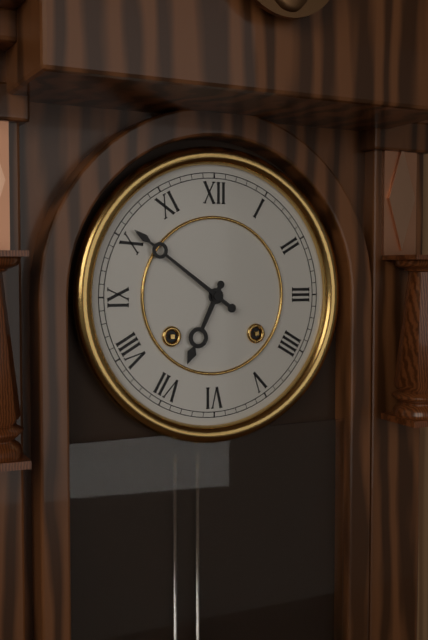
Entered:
6h51
